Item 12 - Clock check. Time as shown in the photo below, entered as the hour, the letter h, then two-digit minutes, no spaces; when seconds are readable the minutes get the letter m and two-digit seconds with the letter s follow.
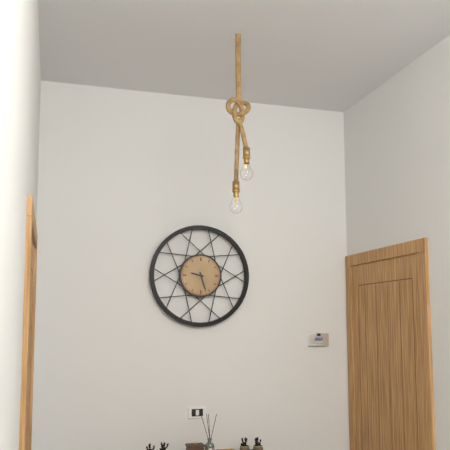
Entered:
9h27
